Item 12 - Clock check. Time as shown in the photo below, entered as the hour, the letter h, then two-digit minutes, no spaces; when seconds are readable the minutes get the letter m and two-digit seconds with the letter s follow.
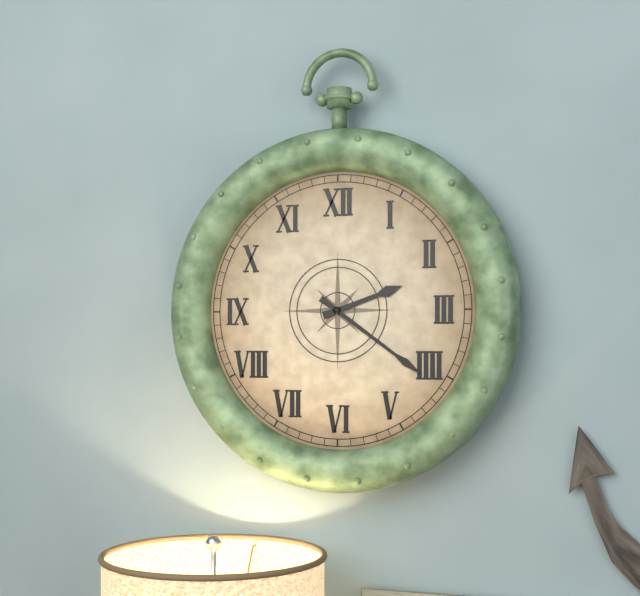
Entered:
2h21
